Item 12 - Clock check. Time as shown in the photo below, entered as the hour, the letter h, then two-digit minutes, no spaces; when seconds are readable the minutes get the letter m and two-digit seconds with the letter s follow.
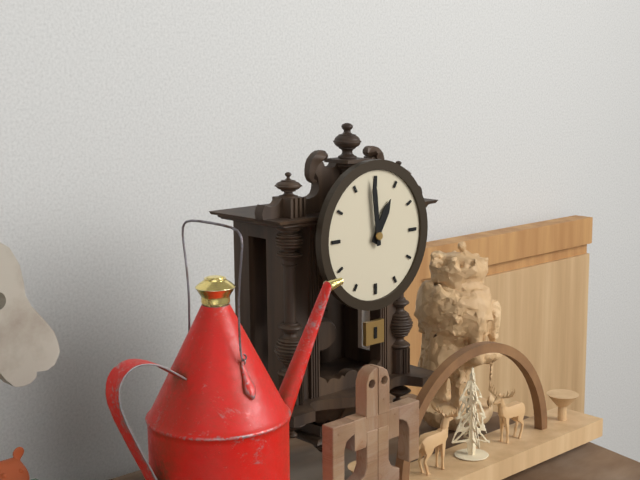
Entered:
12h59
